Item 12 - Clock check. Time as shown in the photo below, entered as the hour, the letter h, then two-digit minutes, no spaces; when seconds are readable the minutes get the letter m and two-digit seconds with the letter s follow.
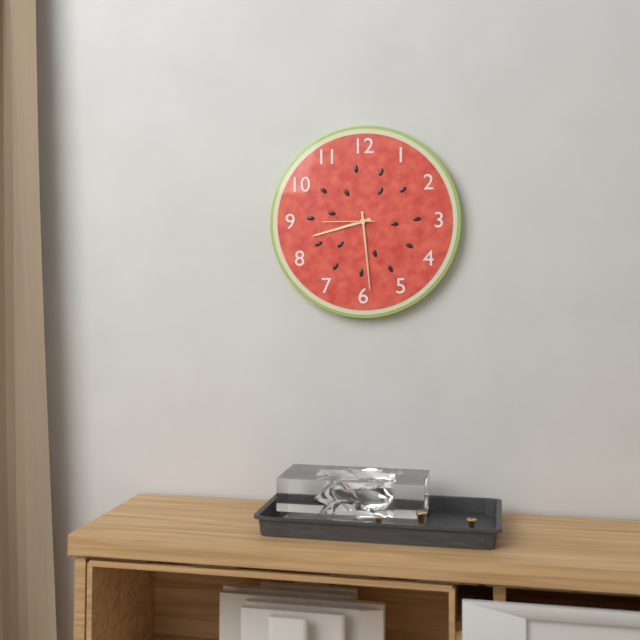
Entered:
8h29m45s
